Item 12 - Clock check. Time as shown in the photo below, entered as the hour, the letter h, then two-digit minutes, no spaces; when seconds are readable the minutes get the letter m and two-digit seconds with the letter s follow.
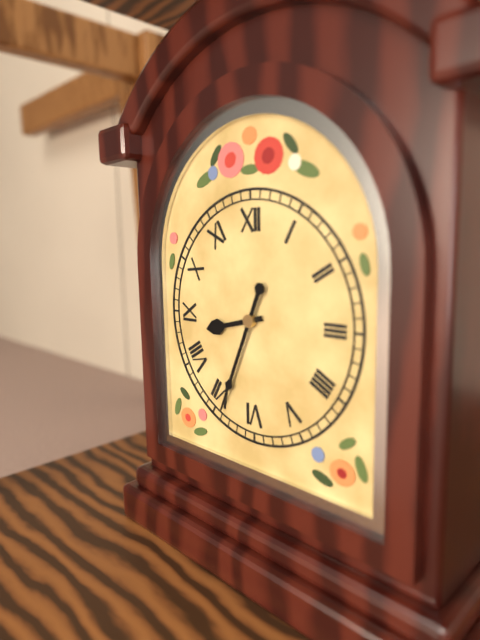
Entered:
8h34
